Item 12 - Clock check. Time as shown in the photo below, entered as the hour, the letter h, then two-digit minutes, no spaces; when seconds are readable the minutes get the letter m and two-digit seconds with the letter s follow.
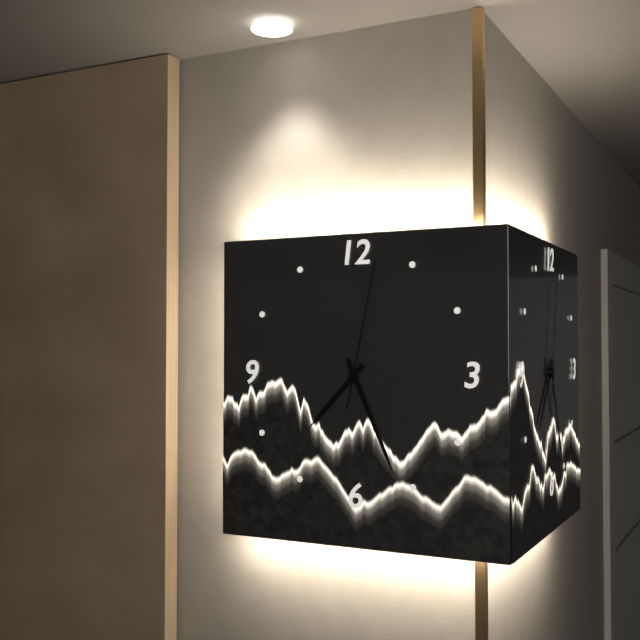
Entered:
7h26m02s
